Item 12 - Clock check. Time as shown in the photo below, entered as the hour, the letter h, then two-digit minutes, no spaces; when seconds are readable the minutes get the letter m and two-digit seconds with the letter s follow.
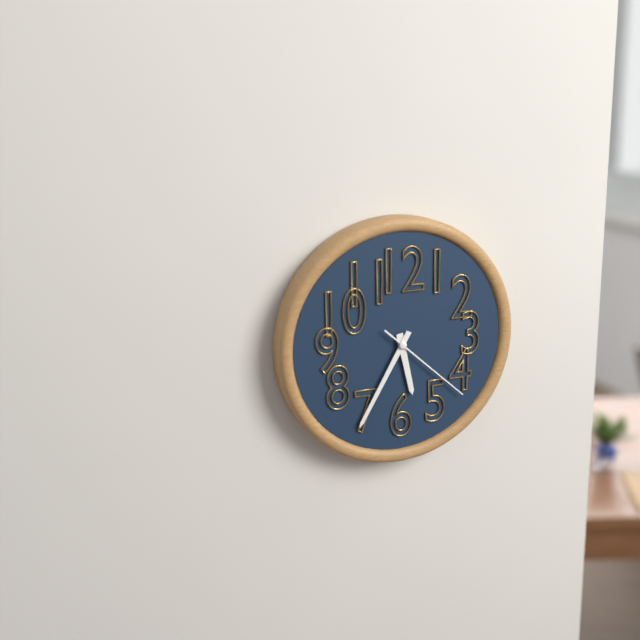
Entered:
5h35m22s
